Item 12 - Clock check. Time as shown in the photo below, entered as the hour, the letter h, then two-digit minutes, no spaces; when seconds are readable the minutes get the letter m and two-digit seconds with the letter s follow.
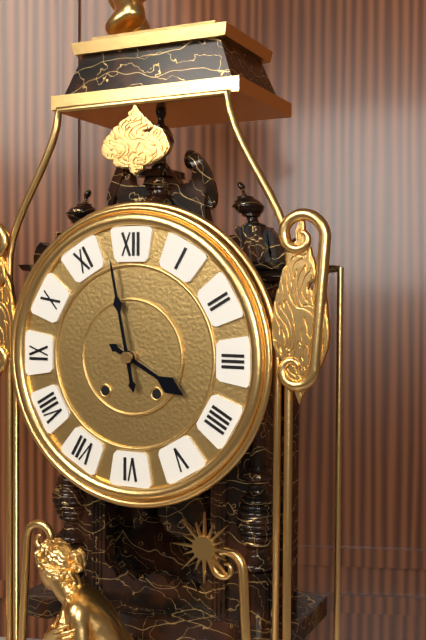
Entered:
3h58
